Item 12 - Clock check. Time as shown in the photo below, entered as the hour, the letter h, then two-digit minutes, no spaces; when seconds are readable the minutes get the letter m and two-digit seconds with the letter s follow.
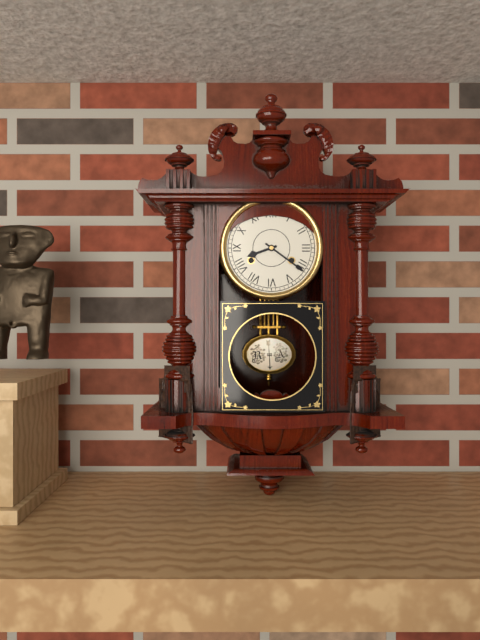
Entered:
8h21
